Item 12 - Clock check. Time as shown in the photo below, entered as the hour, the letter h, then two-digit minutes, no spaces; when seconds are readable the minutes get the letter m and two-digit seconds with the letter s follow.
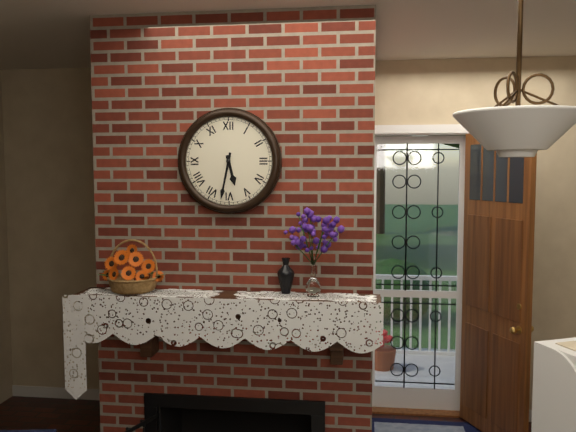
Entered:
5h32
